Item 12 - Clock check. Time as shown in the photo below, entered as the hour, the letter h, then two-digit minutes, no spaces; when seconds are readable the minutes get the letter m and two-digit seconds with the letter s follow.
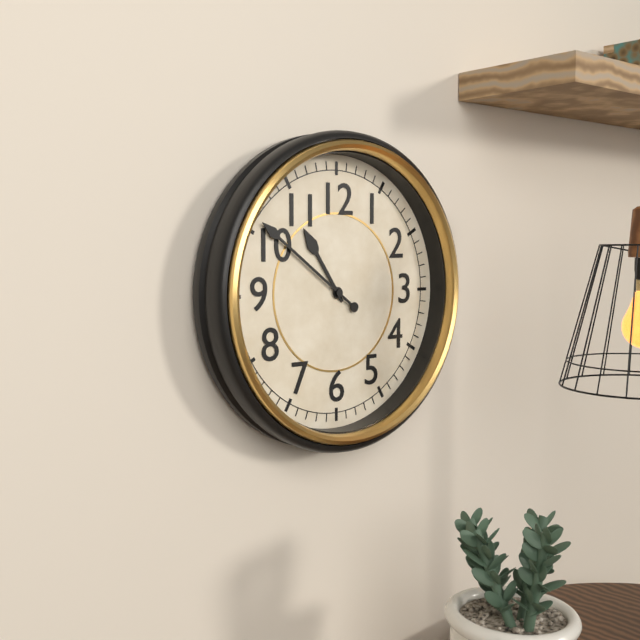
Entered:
10h51
